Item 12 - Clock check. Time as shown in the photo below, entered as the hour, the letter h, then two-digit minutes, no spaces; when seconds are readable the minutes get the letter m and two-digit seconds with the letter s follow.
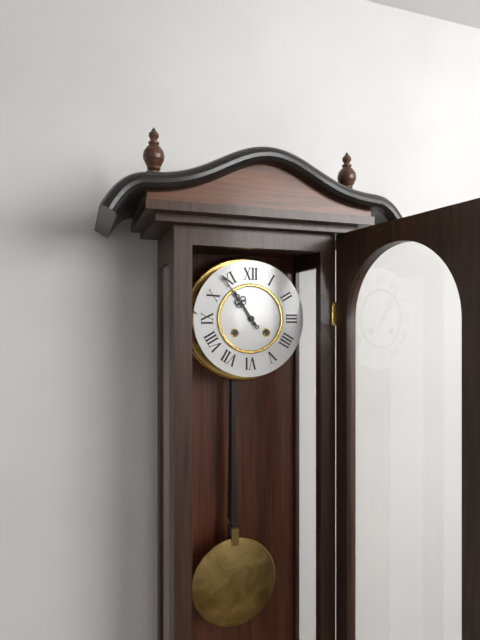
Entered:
10h54
